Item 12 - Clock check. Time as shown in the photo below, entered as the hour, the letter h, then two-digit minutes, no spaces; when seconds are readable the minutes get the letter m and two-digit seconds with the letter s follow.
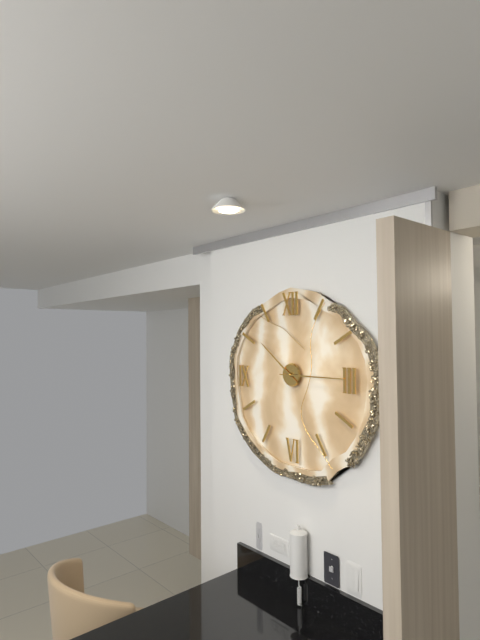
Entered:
10h15
